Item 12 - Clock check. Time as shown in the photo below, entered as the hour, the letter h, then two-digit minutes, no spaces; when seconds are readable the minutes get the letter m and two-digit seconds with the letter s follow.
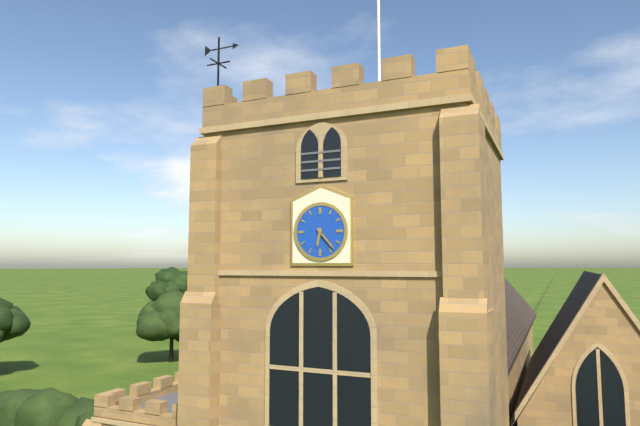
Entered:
6h23
